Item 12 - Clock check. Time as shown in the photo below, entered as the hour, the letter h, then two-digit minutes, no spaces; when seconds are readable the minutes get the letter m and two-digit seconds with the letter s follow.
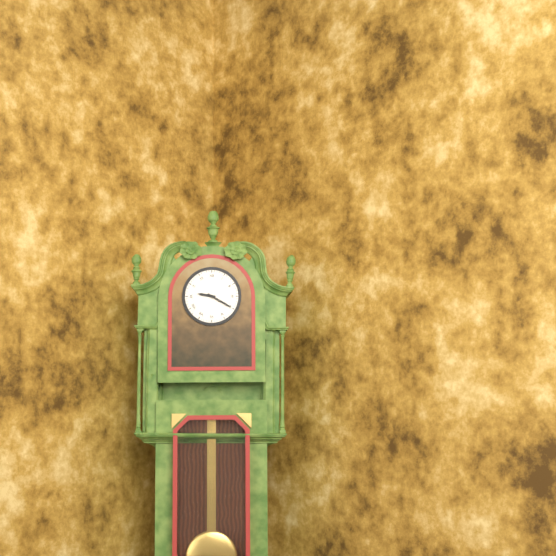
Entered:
9h20
